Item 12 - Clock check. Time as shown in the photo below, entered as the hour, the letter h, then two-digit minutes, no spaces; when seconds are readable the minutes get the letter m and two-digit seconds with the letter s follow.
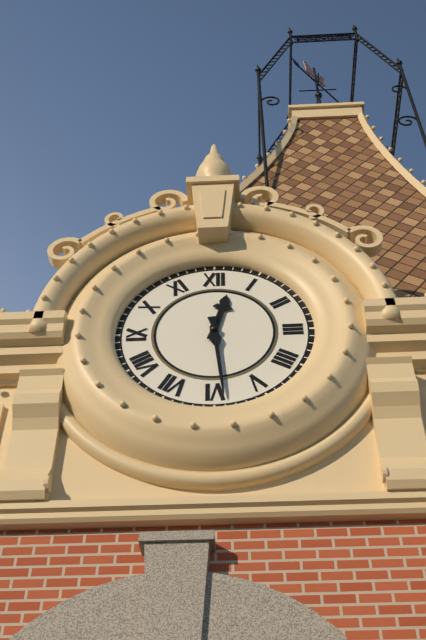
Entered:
12h29
